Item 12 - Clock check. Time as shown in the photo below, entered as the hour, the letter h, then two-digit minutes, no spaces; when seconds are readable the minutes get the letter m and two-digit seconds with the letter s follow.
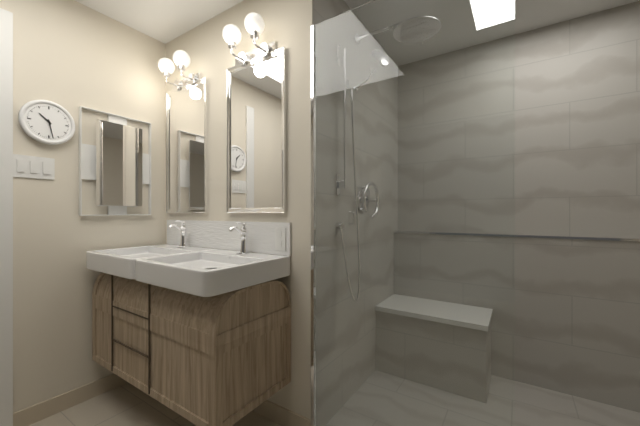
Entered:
10h28
